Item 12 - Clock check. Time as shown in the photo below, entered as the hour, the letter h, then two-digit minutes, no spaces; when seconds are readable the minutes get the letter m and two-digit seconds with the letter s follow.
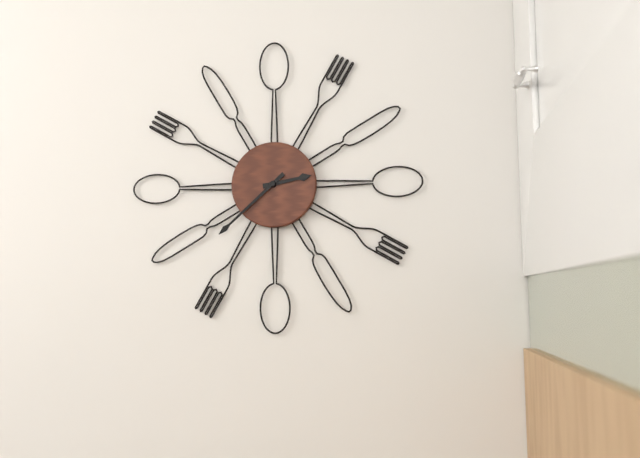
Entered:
2h38
